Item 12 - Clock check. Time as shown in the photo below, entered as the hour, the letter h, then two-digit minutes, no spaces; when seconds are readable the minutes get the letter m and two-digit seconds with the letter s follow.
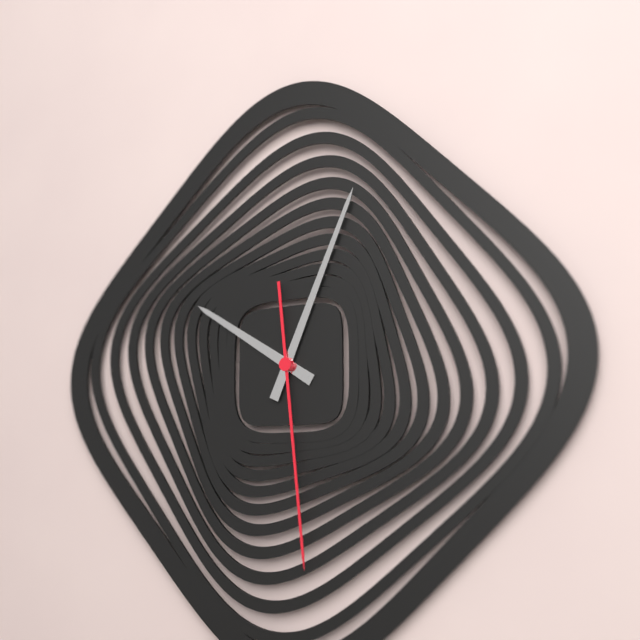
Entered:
10h04m29s
